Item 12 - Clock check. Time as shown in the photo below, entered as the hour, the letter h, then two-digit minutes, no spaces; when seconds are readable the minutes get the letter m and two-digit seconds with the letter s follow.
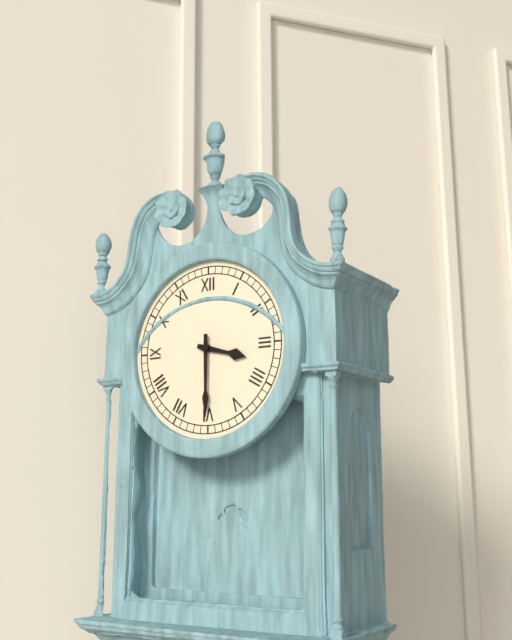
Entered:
3h30
